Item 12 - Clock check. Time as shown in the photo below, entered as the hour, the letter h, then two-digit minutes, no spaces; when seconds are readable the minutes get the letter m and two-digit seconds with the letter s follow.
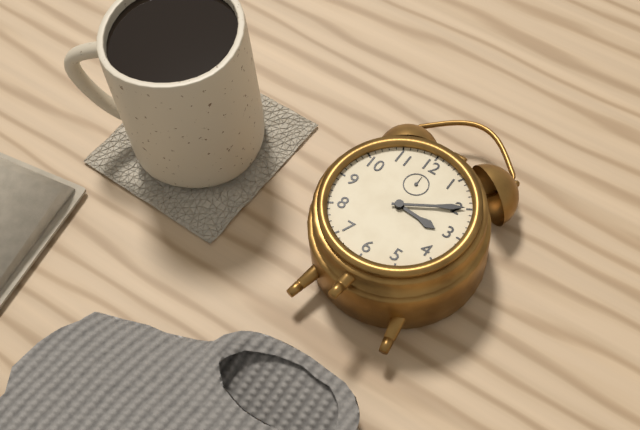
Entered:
3h10
